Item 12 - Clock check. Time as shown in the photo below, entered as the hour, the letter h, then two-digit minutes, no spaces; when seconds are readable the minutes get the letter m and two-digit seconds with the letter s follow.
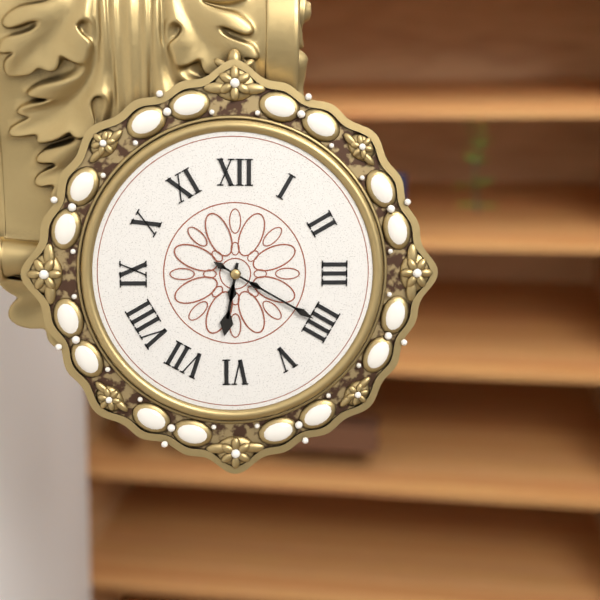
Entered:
6h20
